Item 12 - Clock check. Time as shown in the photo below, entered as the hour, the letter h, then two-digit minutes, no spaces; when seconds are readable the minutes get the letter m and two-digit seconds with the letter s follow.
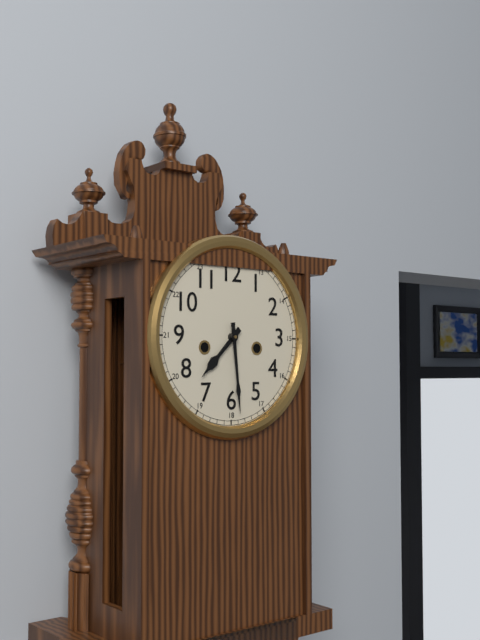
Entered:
7h29
